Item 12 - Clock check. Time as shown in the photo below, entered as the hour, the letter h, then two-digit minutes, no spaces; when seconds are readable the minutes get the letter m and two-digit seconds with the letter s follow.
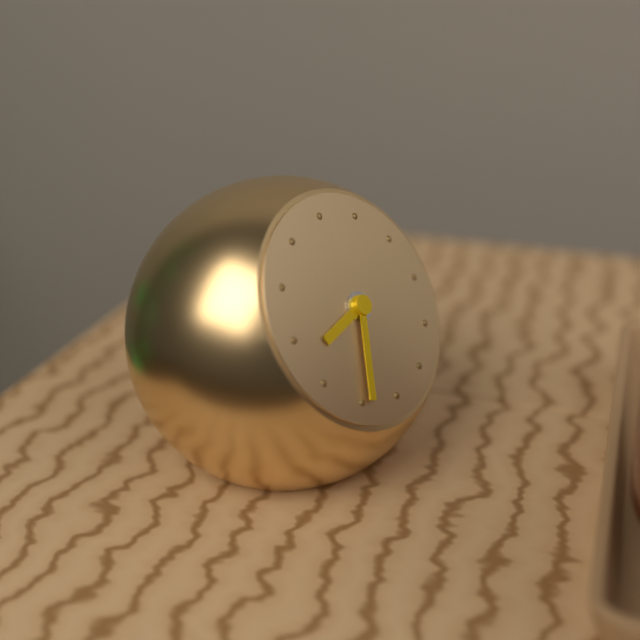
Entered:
8h34
